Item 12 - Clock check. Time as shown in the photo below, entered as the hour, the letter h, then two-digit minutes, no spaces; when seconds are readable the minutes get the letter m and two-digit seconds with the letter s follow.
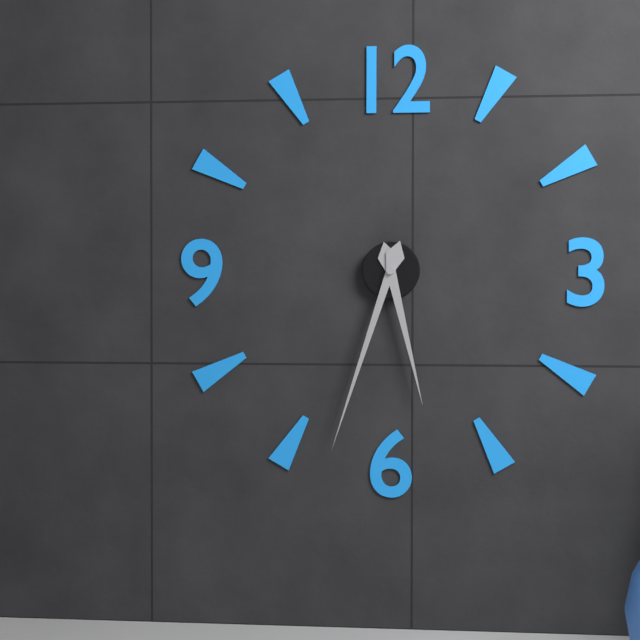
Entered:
5h33
